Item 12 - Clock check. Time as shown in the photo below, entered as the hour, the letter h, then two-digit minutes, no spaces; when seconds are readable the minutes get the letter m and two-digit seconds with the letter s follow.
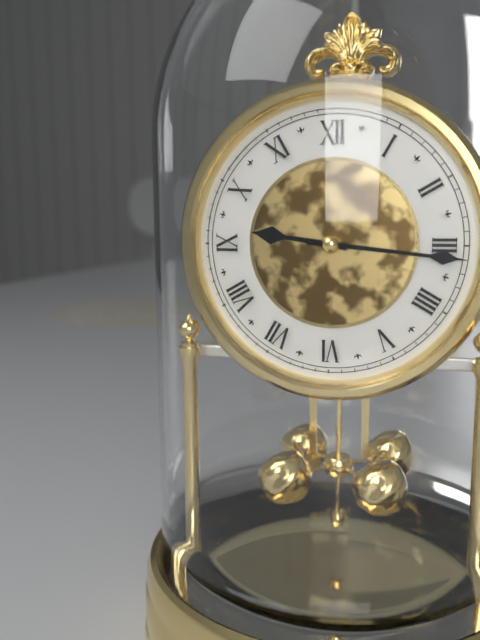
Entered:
9h16
